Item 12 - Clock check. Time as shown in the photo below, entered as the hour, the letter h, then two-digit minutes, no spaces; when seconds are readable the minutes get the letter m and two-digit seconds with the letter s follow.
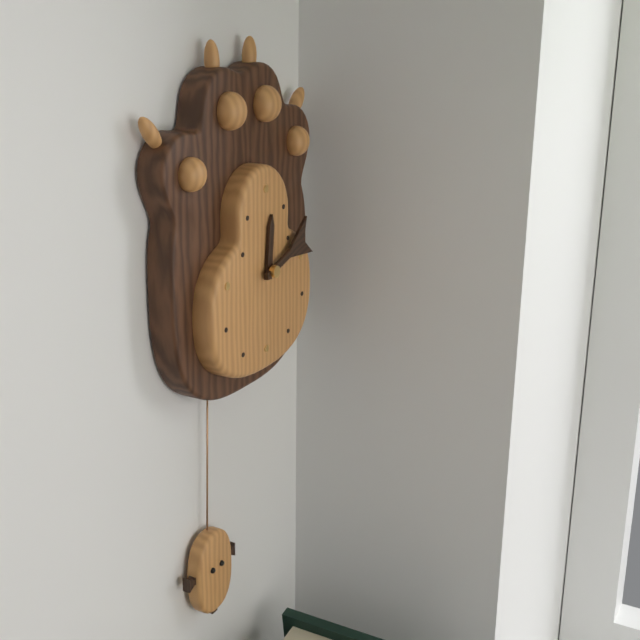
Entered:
12h12
